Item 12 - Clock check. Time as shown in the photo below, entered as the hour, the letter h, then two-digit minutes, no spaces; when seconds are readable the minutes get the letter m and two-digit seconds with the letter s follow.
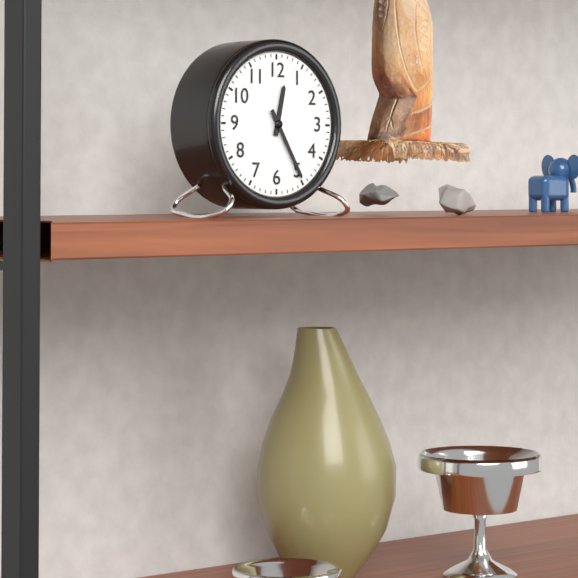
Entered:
12h25
